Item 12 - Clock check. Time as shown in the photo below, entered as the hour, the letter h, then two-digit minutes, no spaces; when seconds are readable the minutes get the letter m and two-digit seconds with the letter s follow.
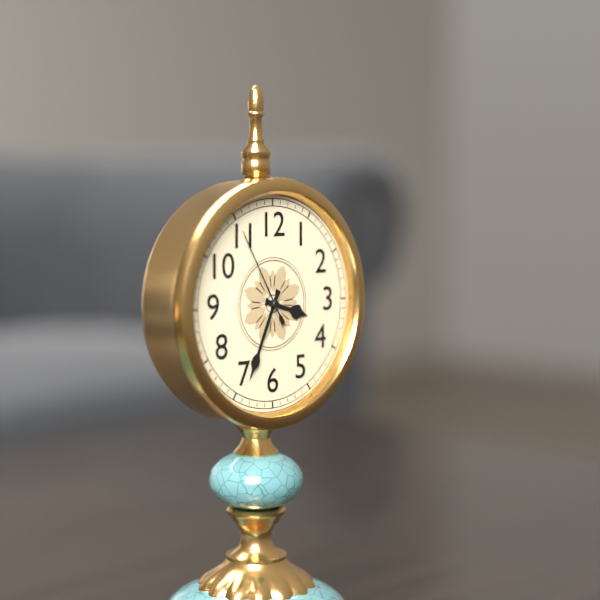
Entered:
3h34m55s
